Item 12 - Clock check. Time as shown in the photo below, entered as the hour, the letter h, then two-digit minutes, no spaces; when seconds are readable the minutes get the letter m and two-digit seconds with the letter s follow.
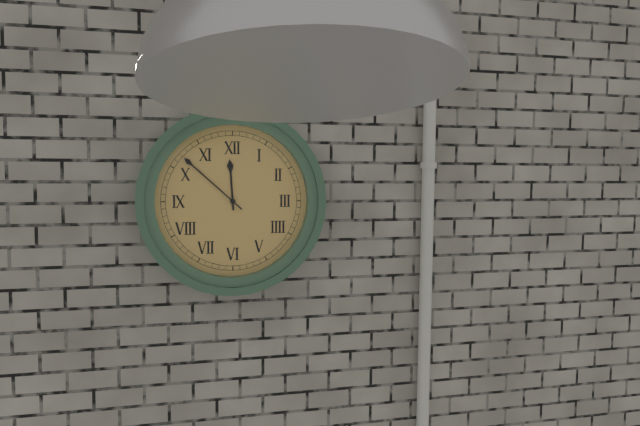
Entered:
11h52
